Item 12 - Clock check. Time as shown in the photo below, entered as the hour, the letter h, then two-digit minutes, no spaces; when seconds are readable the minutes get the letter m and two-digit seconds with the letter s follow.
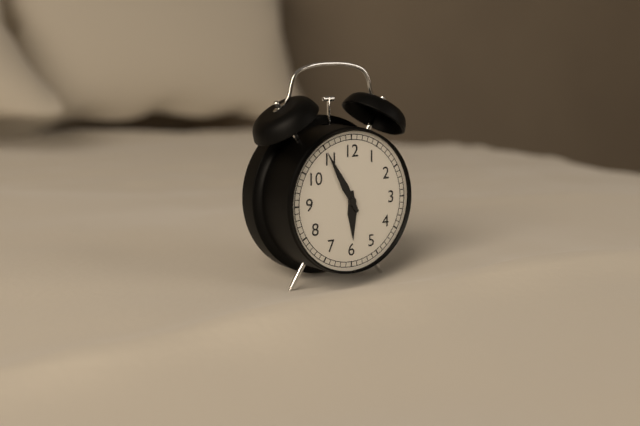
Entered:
5h55
